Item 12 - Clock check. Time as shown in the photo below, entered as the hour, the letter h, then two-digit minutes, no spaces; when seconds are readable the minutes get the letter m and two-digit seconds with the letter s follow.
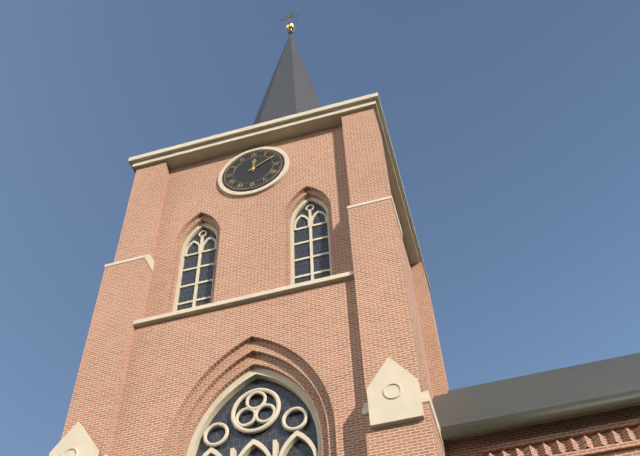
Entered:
12h10
